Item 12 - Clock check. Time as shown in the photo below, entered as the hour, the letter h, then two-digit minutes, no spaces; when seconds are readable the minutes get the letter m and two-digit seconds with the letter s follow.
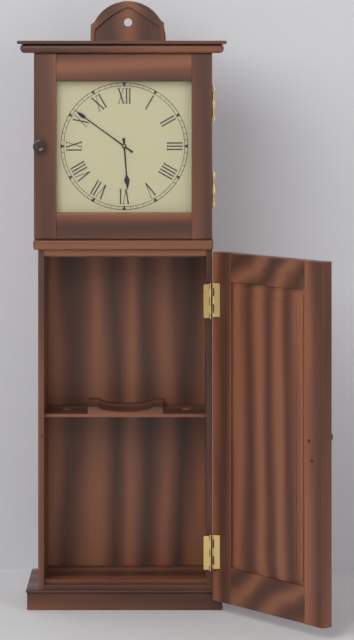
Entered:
5h51
